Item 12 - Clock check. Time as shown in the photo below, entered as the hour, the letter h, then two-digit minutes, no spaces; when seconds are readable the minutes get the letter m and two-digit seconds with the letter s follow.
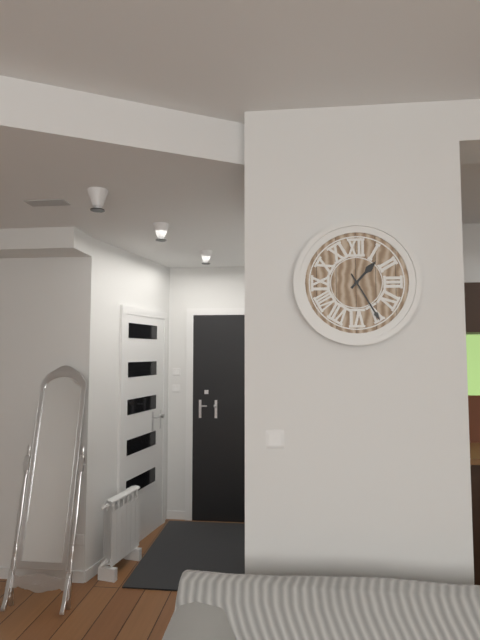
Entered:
1h25
